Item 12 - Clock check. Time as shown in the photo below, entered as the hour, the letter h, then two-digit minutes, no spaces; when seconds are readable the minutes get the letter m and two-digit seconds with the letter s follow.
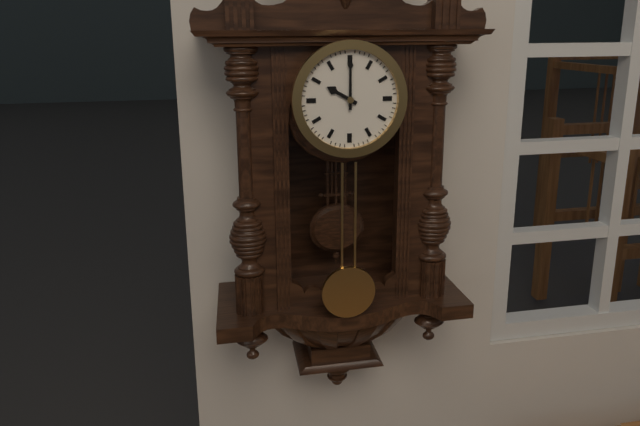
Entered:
10h00
